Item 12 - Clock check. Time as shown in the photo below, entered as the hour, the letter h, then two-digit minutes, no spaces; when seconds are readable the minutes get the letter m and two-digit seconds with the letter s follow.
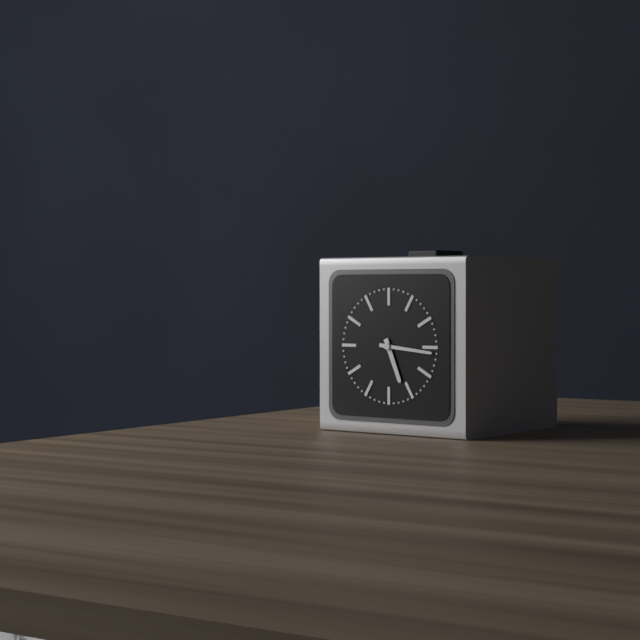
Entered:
5h16
